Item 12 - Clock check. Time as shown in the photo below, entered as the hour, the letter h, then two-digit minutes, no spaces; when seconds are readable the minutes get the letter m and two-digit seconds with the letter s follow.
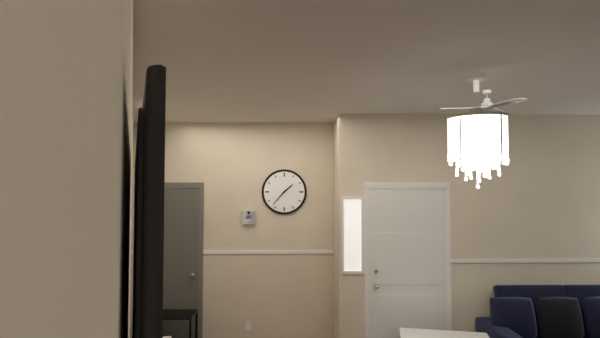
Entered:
1h37
